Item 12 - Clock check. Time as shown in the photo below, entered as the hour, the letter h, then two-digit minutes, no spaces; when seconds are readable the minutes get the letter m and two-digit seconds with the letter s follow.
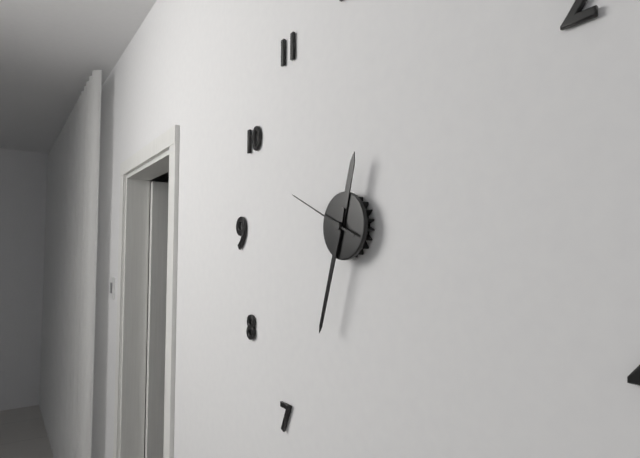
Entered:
12h33m49s
